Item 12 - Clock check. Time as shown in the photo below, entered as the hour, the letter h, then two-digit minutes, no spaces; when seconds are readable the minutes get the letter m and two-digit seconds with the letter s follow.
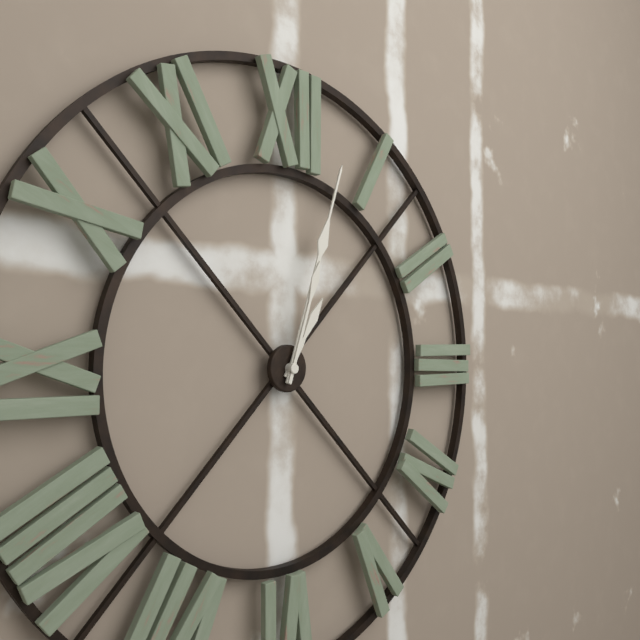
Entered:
1h03m03s
